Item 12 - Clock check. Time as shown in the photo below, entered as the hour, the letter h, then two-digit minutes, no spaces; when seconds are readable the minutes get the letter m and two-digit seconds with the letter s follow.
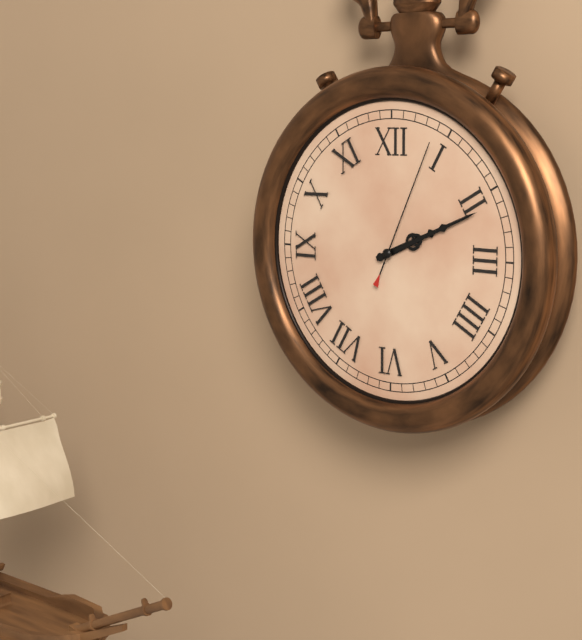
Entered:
2h11m04s
